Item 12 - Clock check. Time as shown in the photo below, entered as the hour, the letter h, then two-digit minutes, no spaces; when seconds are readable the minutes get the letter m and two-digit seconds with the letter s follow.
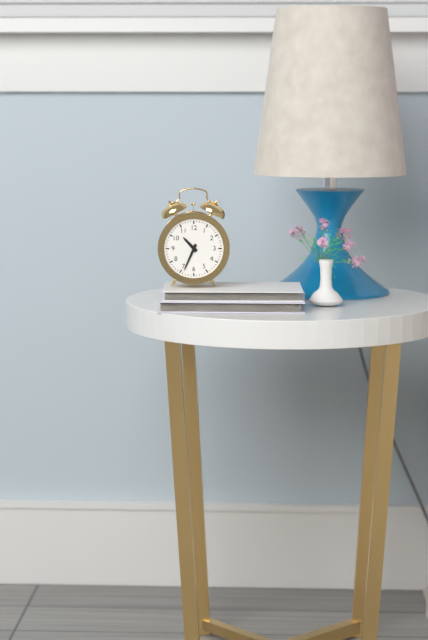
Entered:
10h34
